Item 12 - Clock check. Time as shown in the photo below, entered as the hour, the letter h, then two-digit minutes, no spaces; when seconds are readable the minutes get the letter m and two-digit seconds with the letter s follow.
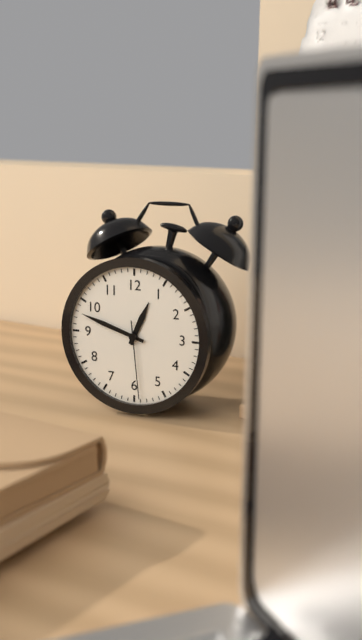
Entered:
12h48m29s
